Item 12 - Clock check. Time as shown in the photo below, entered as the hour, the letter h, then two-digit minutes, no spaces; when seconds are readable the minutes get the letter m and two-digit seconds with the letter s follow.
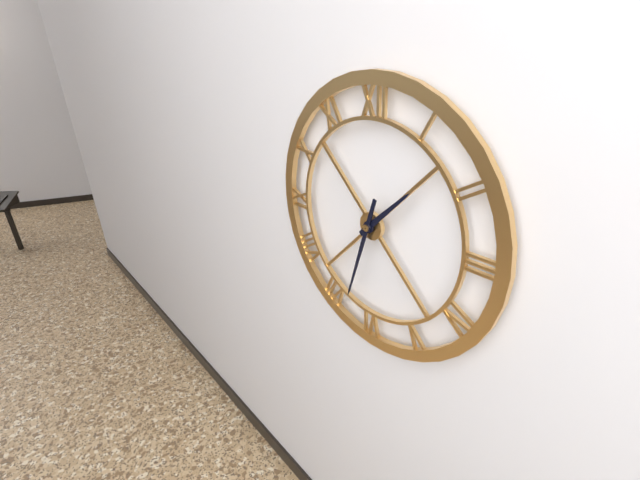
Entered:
1h33
